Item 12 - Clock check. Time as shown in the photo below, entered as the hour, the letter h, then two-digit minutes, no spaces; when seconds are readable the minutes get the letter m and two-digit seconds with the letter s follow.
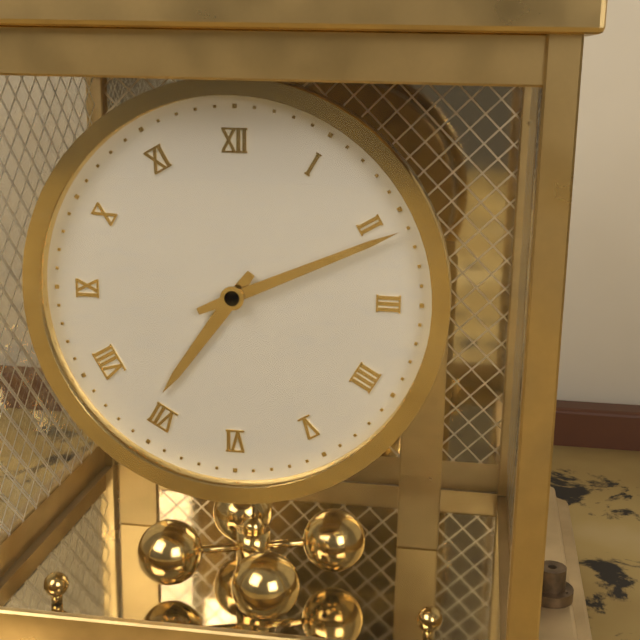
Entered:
7h11
